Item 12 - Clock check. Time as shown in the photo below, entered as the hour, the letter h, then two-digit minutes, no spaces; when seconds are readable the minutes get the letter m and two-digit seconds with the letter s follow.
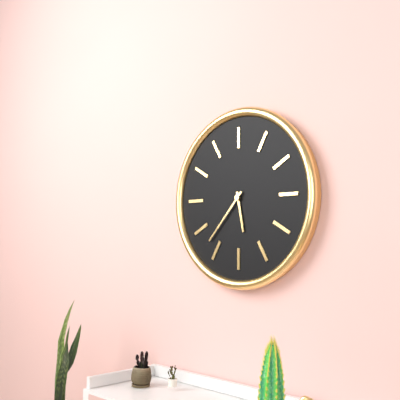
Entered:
5h37
